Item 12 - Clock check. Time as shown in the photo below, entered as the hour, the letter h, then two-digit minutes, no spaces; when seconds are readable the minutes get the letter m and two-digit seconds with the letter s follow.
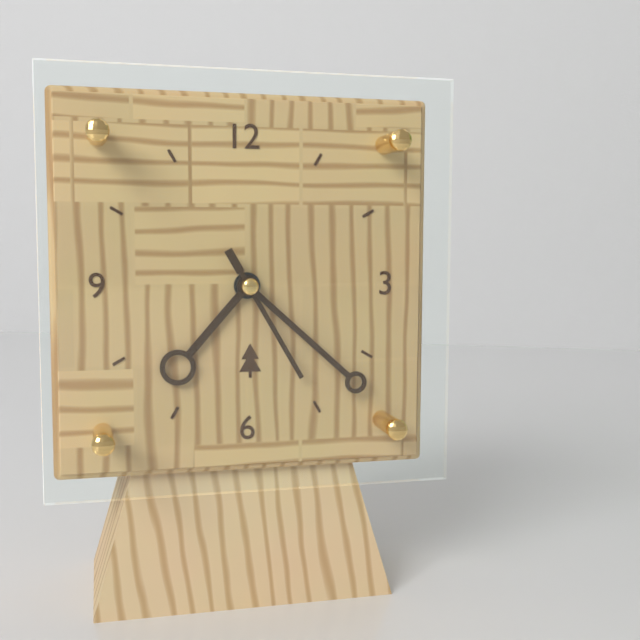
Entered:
7h22m25s
